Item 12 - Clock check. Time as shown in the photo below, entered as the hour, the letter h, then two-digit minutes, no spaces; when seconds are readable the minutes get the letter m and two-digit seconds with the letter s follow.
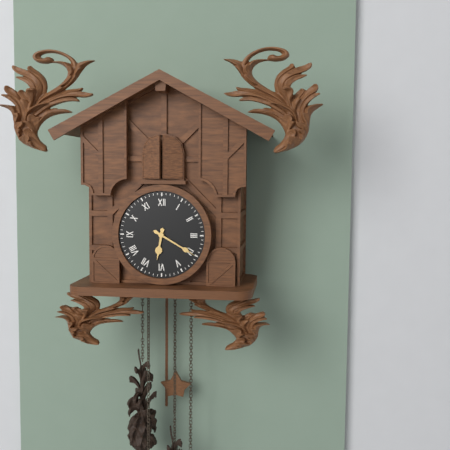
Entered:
6h20
